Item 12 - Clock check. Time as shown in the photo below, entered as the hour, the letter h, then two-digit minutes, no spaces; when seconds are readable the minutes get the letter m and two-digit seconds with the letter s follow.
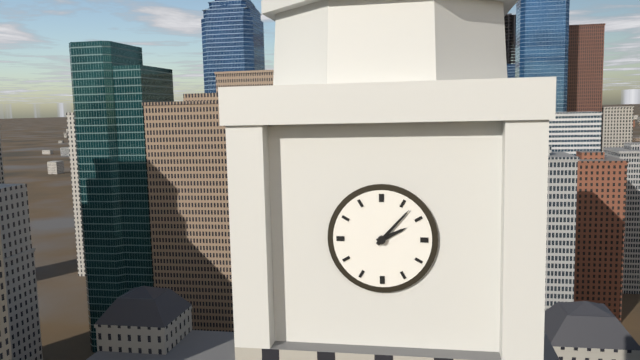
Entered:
2h07
